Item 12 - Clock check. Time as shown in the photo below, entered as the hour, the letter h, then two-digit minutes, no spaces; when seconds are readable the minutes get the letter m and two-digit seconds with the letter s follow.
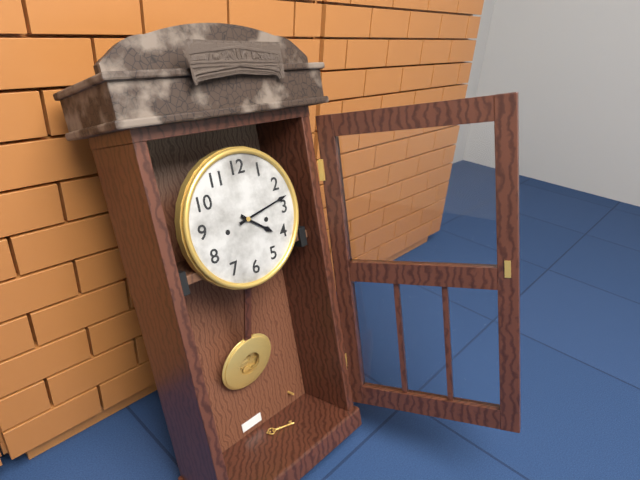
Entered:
4h13
